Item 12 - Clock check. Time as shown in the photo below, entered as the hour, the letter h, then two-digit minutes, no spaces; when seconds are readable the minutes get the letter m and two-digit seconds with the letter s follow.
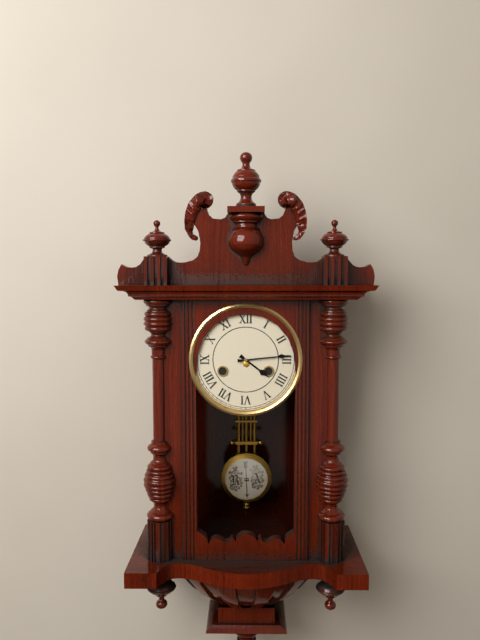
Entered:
4h14
